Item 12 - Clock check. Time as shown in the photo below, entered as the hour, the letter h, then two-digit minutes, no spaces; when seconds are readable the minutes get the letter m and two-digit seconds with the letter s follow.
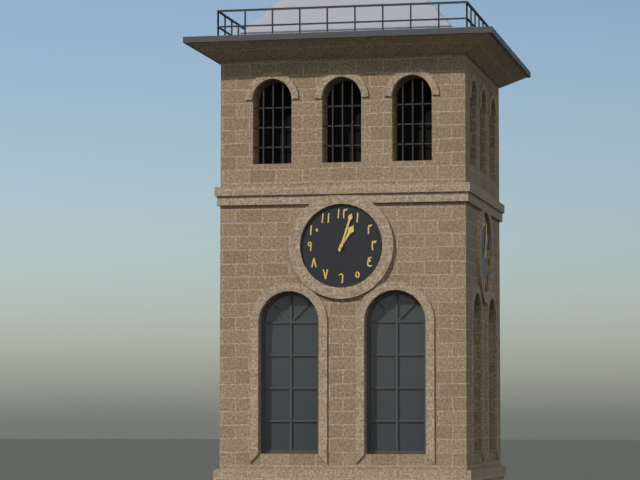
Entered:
1h03
